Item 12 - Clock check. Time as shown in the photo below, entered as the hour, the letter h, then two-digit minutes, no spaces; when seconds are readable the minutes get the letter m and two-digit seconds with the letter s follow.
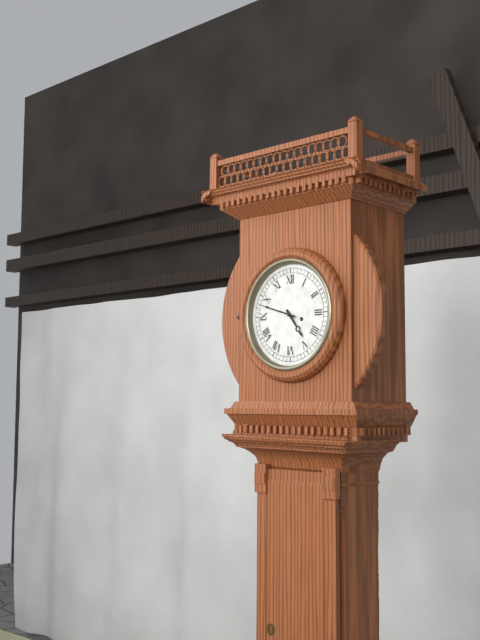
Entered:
4h48
